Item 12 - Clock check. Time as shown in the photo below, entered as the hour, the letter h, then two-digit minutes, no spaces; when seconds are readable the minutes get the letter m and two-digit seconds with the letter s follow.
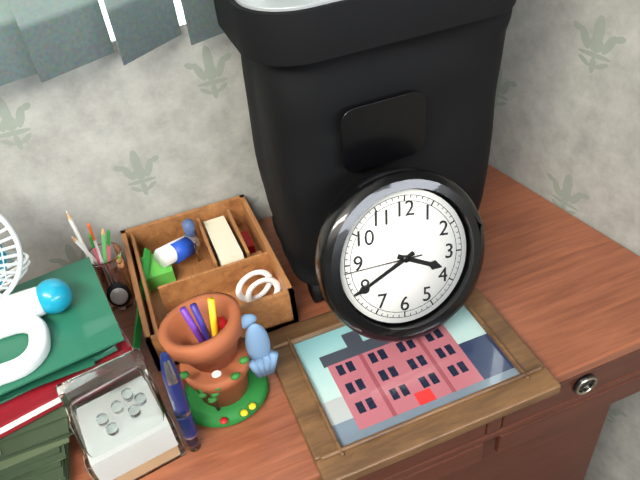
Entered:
3h40m44s
